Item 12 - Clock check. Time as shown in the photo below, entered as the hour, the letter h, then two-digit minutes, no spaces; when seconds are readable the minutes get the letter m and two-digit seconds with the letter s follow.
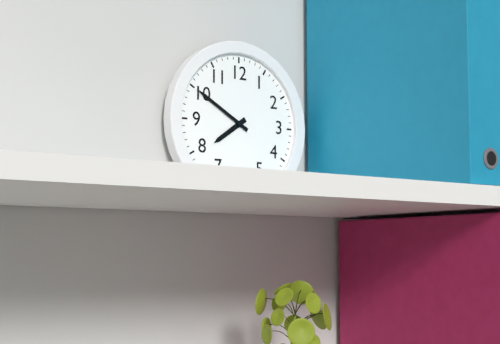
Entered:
7h50
